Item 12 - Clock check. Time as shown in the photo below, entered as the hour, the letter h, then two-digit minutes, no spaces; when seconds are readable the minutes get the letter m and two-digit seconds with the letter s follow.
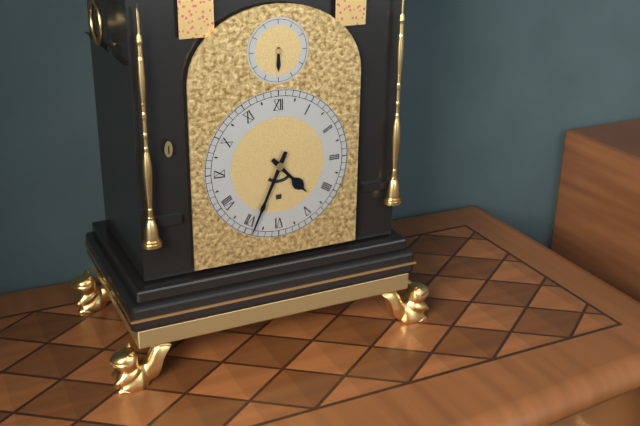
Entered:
4h34
